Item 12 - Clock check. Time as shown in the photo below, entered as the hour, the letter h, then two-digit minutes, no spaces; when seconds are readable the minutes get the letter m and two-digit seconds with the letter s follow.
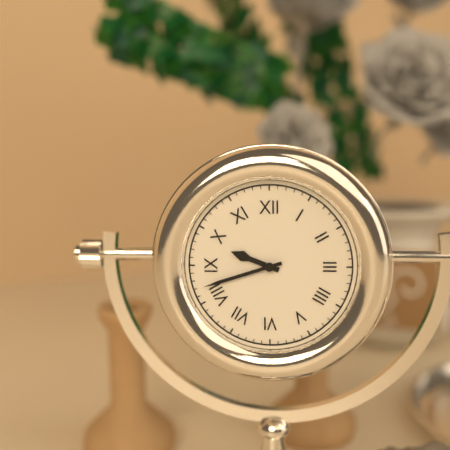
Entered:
9h42
